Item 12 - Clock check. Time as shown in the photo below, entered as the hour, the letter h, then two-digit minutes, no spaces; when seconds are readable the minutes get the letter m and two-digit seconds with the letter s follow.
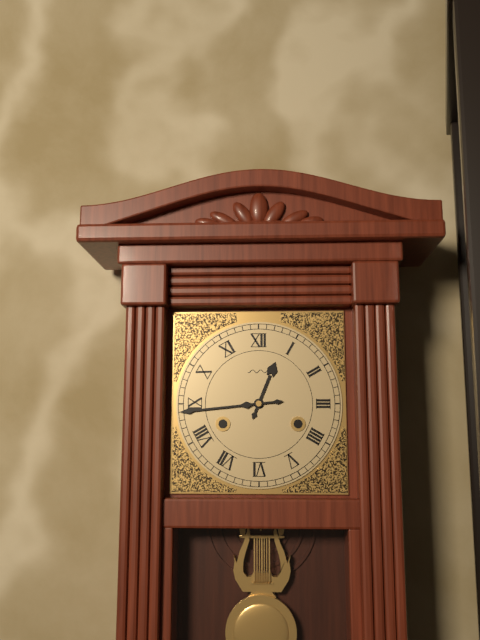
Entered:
12h44
